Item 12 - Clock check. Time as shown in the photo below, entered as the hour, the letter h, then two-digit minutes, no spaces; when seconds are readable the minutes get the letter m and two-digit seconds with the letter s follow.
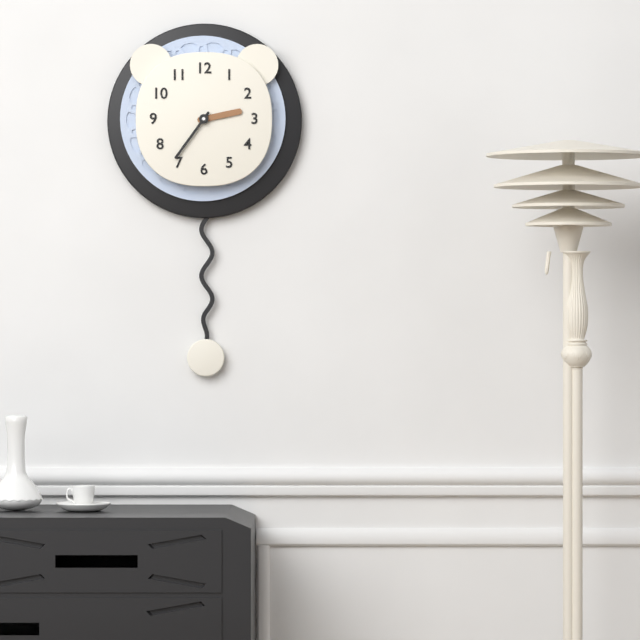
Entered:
2h36
